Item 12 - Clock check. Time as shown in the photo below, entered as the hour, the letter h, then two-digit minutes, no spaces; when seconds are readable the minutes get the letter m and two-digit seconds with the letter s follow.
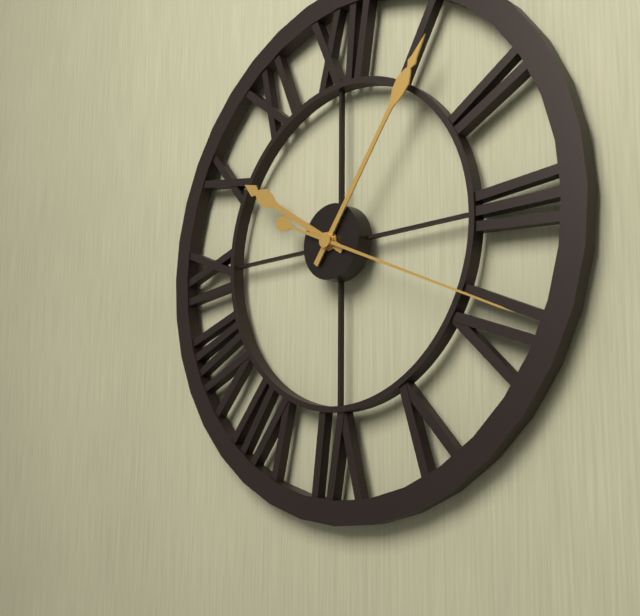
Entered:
10h06m19s
